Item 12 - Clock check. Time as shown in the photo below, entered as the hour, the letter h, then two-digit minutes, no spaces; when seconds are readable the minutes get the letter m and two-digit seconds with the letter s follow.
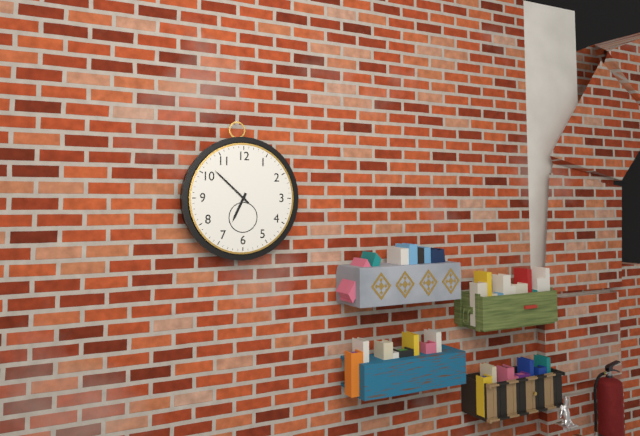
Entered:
6h52
